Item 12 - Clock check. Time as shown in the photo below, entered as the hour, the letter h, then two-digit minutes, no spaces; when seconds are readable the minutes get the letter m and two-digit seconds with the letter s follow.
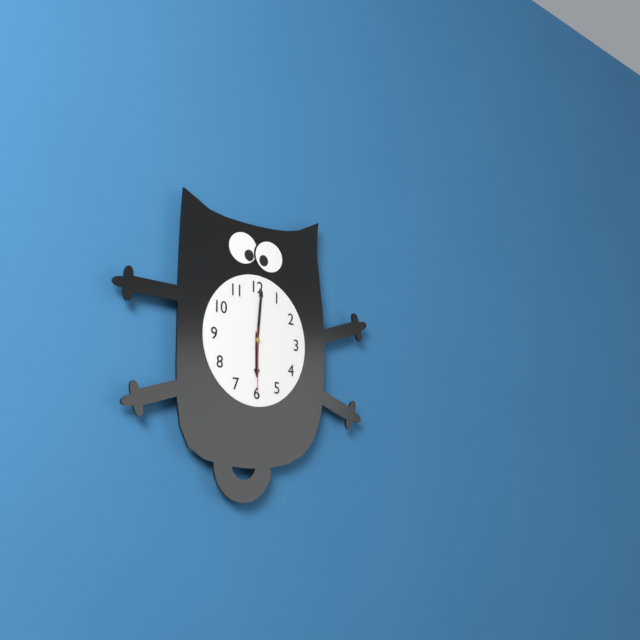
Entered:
6h01m30s
